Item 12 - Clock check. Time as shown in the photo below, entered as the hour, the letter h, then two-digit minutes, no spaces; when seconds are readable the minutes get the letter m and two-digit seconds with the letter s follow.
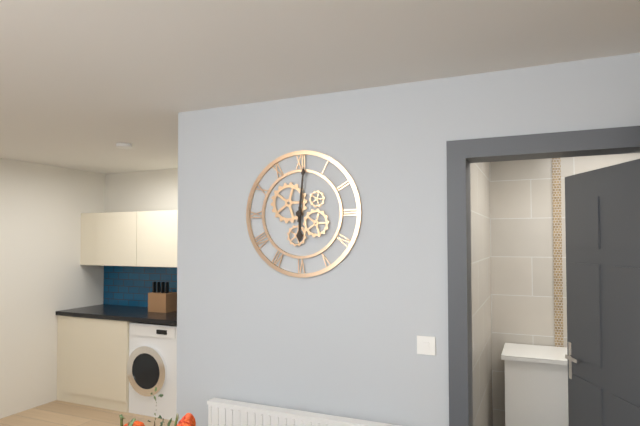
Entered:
6h01
